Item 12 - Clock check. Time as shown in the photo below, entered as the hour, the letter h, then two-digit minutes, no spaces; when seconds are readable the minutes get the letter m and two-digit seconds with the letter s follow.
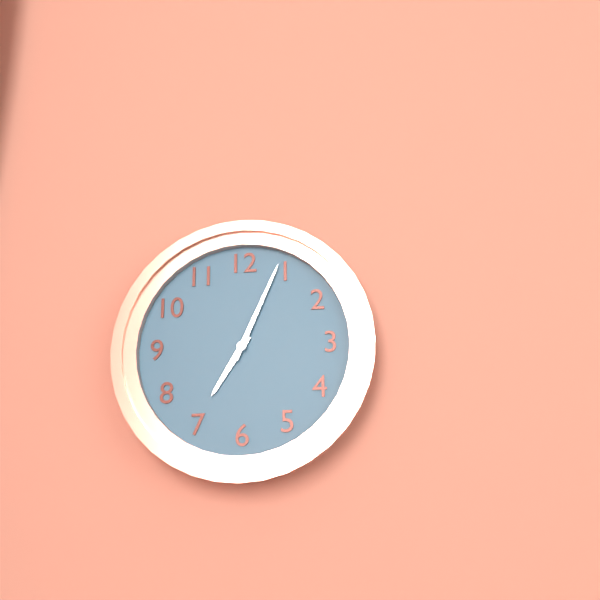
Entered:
7h04
